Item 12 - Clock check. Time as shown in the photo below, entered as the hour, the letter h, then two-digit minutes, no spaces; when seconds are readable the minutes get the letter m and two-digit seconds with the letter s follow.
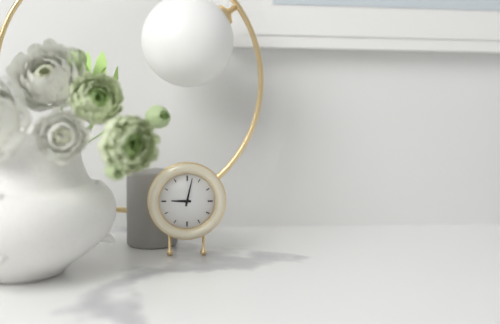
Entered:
9h02
